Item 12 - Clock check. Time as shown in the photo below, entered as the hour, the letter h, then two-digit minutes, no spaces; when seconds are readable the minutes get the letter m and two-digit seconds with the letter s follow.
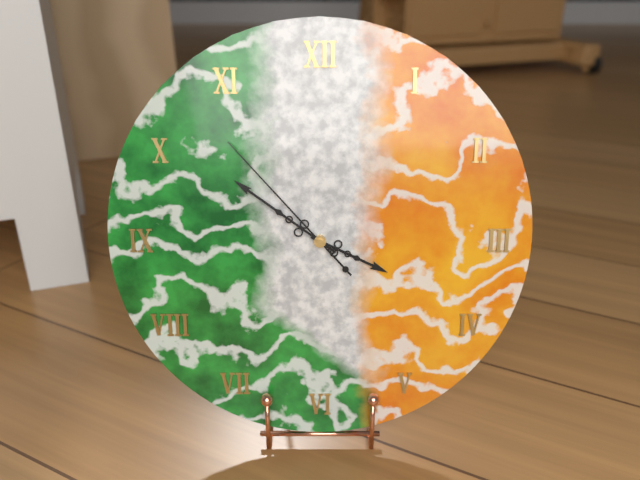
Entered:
3h51m53s
